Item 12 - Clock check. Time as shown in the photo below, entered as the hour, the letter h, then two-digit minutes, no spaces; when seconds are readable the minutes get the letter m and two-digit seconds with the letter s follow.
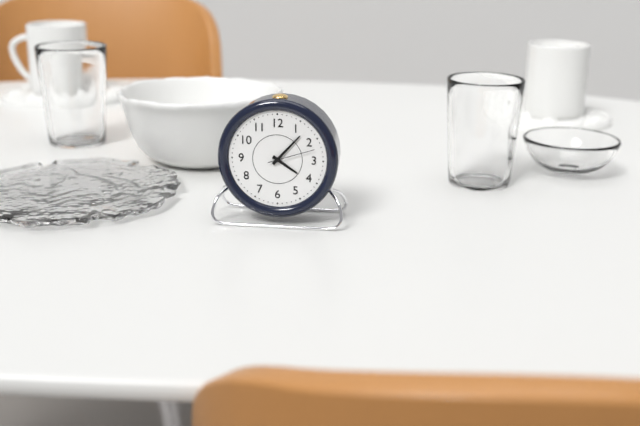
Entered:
4h07
